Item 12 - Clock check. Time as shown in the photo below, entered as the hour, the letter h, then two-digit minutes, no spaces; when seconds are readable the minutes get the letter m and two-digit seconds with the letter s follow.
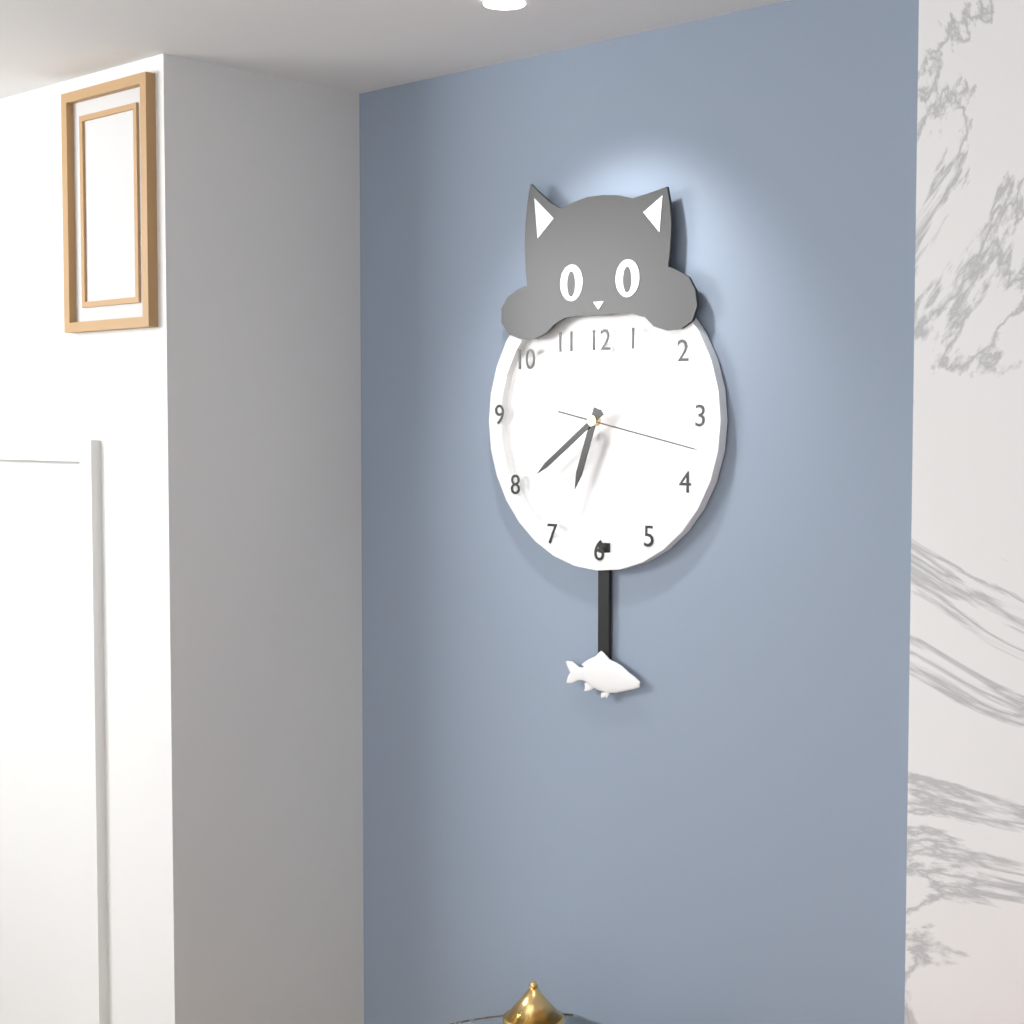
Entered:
6h39m17s
